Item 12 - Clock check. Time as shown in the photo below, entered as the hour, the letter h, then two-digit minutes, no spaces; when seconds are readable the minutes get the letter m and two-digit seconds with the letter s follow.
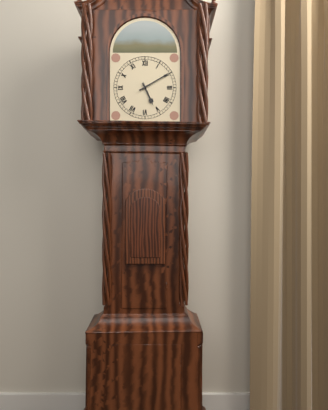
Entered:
5h10
